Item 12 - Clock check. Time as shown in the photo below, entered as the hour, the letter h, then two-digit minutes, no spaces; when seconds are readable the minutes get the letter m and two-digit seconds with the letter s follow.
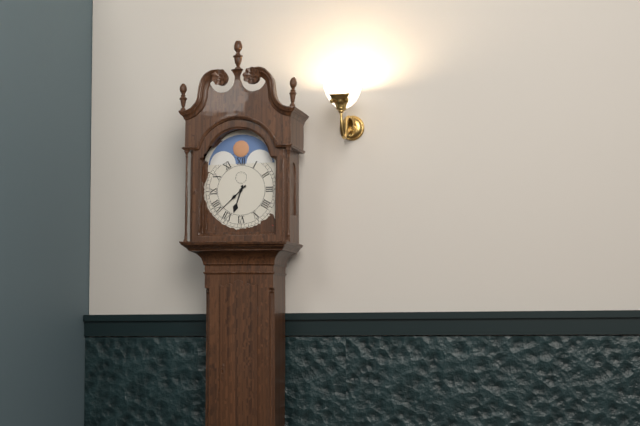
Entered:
6h38
